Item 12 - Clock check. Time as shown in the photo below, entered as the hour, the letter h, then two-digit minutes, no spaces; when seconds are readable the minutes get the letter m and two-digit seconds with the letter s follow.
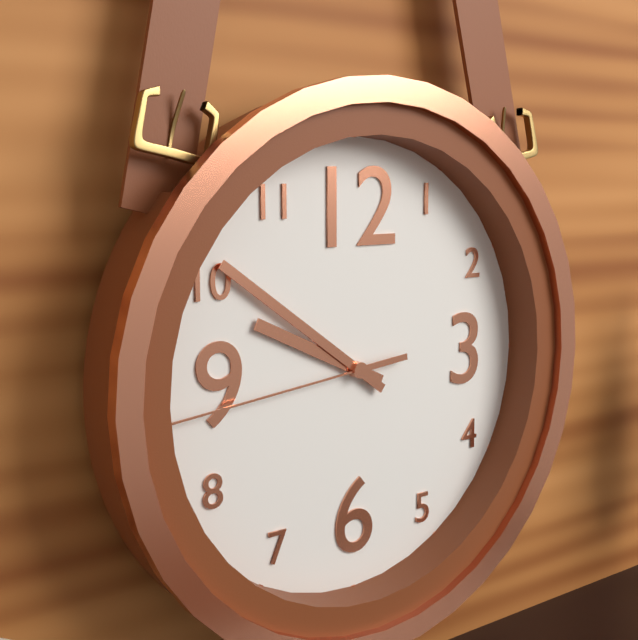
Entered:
9h51m44s
